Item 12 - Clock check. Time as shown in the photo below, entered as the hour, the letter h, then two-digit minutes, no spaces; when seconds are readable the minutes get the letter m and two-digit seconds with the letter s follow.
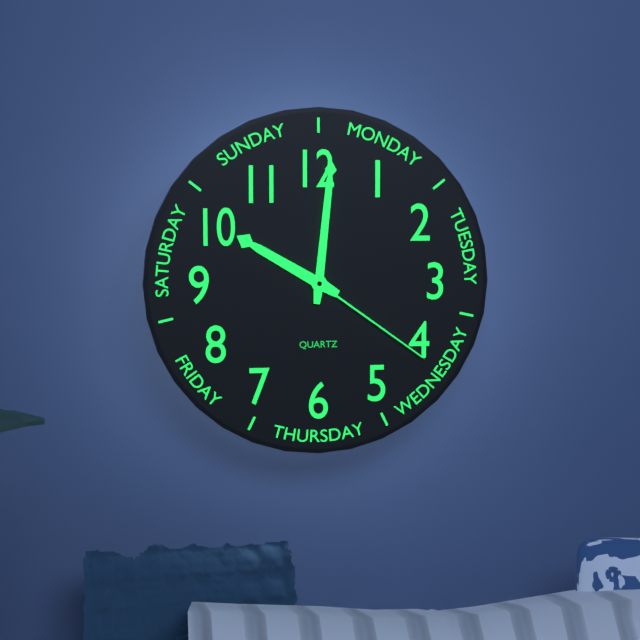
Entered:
10h01m21s
